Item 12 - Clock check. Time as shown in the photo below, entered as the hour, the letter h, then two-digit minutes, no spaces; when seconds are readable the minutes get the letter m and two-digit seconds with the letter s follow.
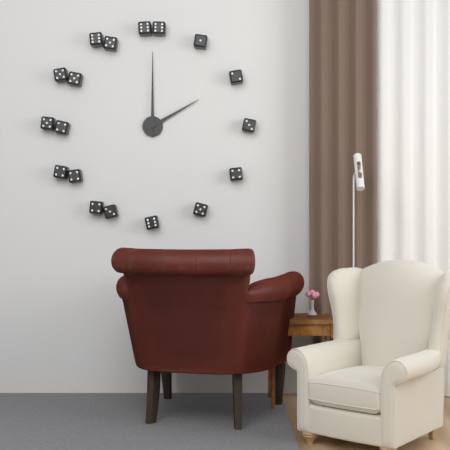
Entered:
2h00
